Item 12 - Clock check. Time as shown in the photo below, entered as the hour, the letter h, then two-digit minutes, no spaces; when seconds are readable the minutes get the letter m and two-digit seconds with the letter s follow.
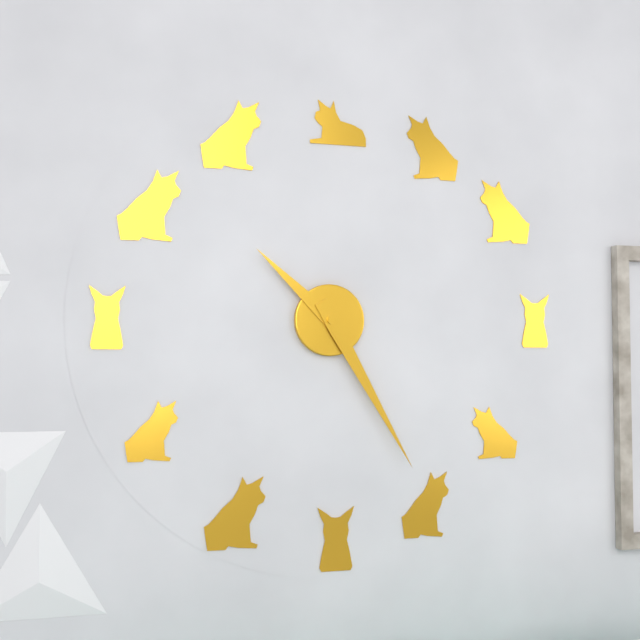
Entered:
10h25
